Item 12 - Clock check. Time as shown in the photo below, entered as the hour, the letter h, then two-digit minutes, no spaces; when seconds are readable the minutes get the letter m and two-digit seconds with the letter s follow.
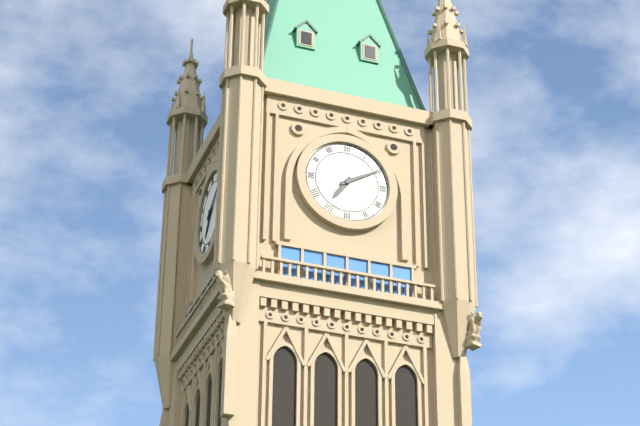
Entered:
7h10
